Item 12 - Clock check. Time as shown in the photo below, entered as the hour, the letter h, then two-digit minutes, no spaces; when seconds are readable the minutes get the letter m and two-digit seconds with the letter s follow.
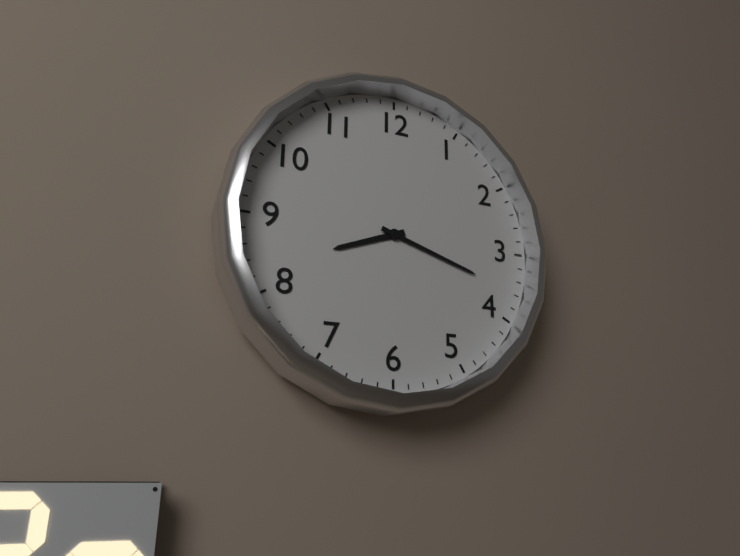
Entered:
8h18
